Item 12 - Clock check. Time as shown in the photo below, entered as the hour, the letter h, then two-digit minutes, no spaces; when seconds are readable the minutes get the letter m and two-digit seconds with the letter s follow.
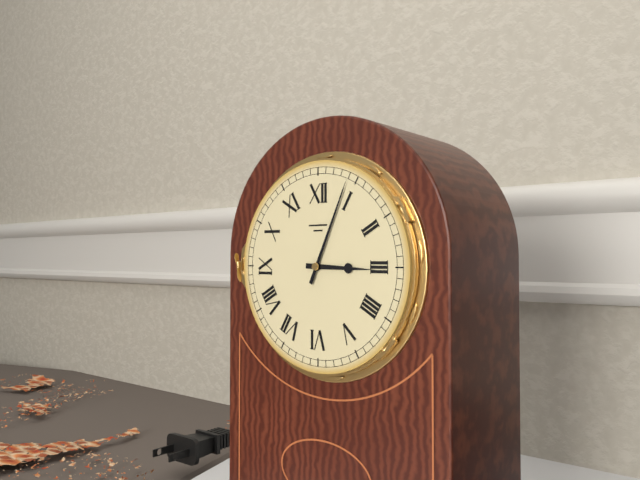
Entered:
3h04
